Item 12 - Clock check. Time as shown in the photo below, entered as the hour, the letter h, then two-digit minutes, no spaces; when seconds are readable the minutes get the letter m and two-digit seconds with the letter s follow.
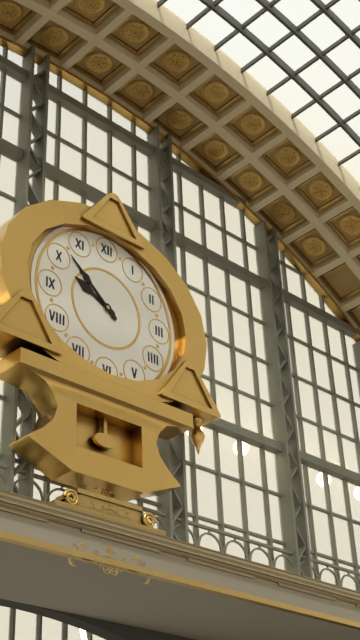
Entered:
9h52
